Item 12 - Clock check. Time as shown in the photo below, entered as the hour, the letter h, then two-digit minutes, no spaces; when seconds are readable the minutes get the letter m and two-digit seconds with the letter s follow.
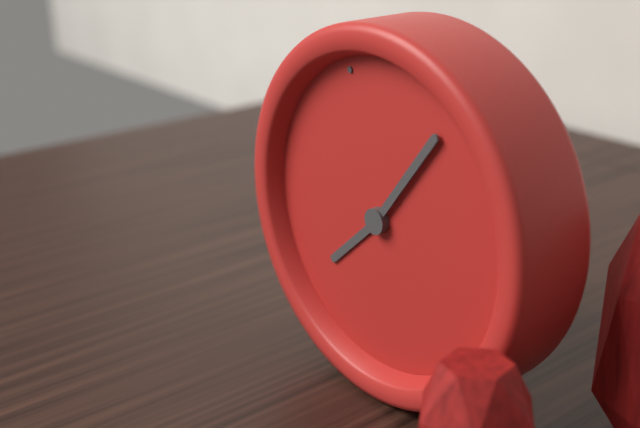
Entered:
8h09
